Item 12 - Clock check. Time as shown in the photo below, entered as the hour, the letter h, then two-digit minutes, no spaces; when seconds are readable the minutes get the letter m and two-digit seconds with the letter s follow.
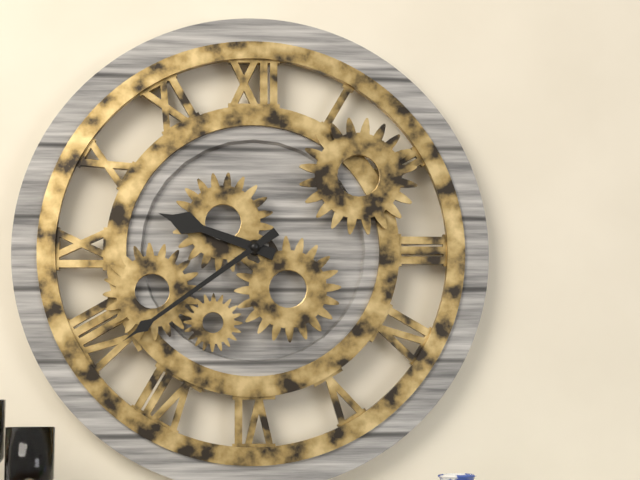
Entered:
9h39
